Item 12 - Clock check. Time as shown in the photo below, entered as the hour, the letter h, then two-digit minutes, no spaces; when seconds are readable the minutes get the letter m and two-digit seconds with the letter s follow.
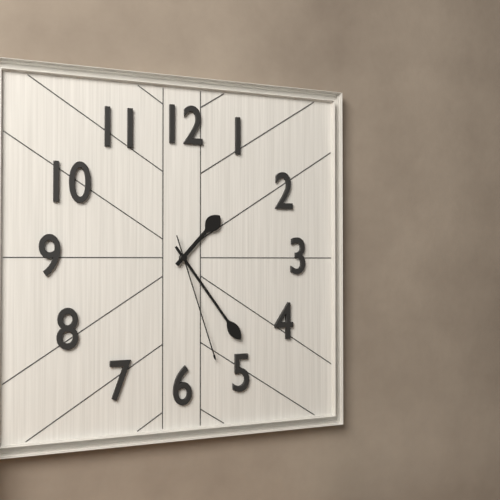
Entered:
1h24m27s
